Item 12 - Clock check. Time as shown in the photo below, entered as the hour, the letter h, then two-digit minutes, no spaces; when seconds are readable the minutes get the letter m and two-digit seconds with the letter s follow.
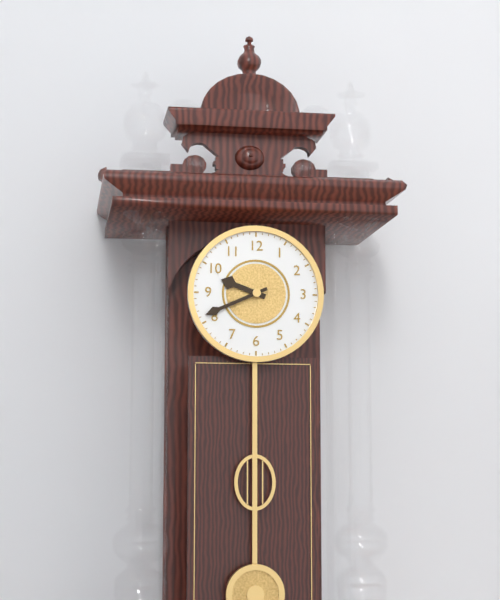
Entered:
9h41
